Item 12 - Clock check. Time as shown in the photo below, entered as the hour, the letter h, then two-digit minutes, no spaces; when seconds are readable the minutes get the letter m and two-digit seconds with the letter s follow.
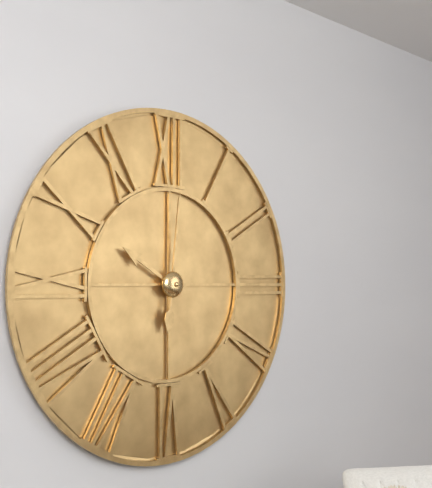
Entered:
10h01
